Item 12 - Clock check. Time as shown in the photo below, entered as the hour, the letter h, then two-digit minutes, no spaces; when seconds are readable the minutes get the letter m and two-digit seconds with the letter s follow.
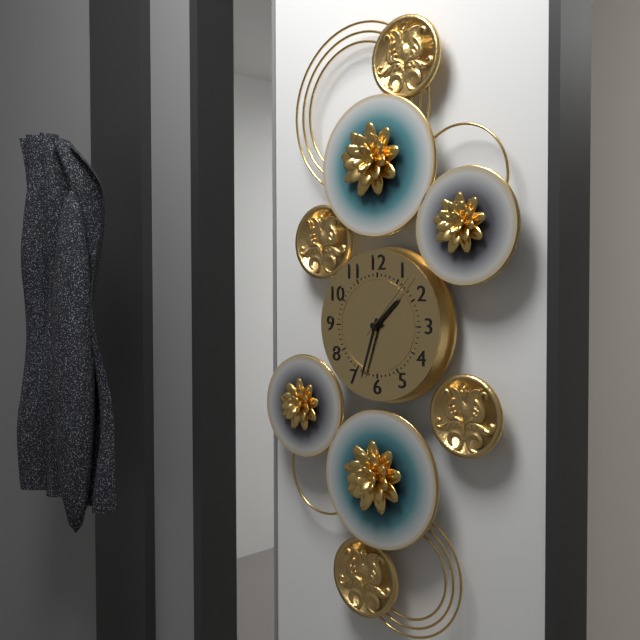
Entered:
1h33m07s
